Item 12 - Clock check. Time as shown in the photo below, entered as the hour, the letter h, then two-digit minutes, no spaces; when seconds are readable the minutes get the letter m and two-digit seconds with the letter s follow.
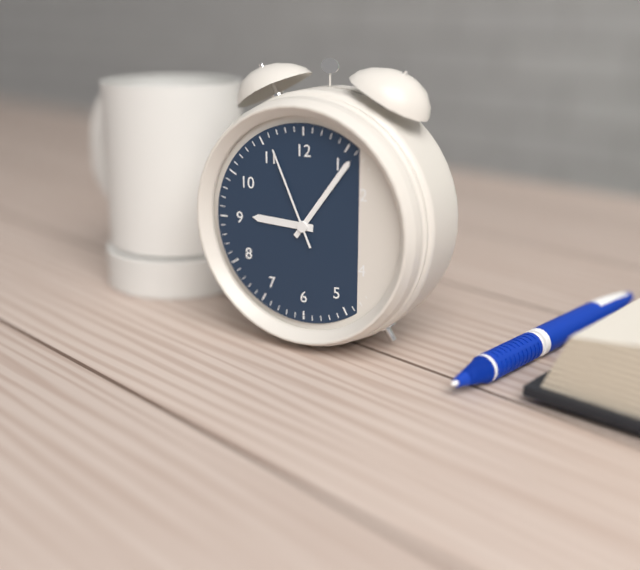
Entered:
9h06m56s
